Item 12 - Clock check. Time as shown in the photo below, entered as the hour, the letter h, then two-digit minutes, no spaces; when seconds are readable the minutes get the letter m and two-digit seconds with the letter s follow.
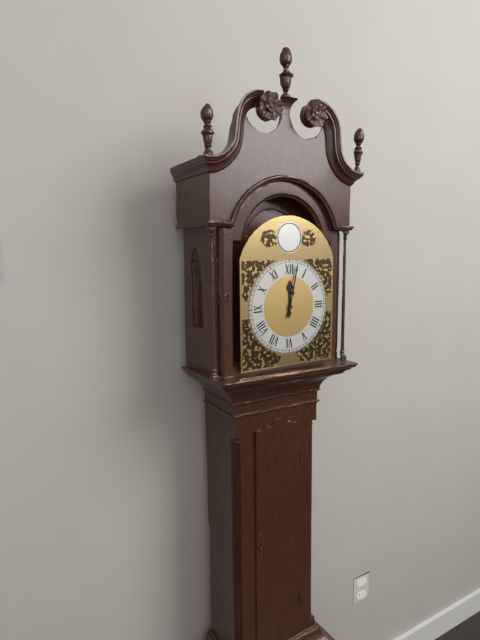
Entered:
12h02
